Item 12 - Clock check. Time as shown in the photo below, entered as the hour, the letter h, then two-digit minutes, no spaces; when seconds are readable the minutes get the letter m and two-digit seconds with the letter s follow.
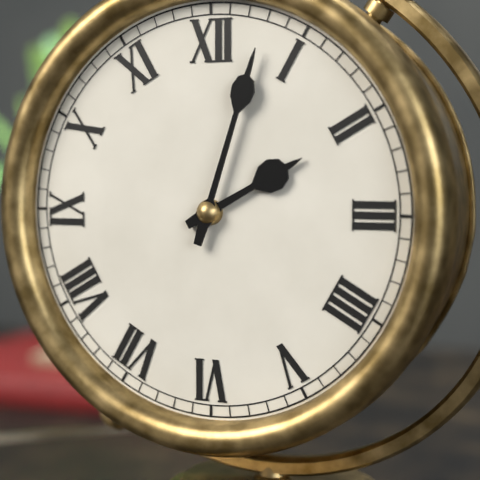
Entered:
2h03
